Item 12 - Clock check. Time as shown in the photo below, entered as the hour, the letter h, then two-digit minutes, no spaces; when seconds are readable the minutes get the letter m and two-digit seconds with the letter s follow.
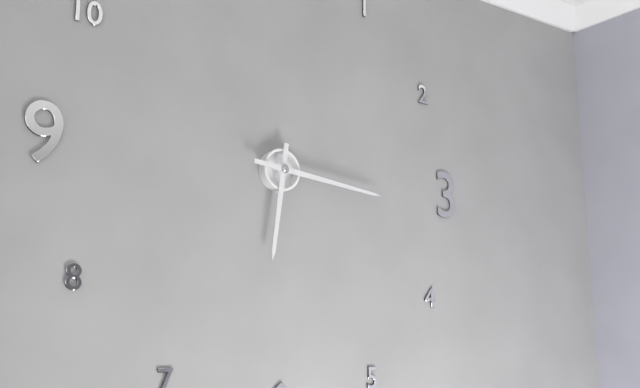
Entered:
6h16
